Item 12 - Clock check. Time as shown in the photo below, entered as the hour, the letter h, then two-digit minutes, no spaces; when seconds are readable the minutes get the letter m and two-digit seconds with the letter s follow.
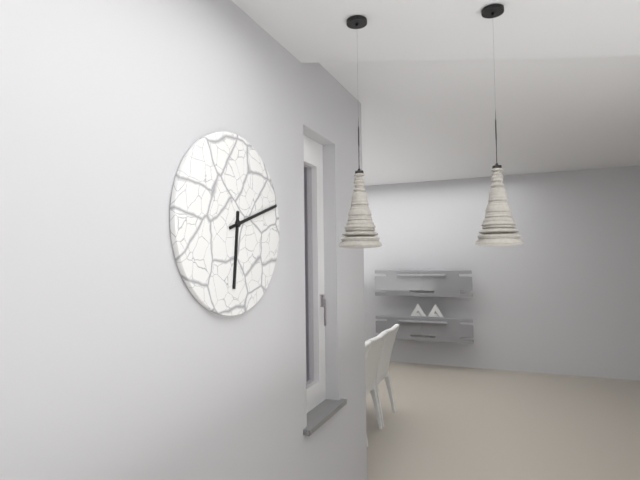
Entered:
6h12
